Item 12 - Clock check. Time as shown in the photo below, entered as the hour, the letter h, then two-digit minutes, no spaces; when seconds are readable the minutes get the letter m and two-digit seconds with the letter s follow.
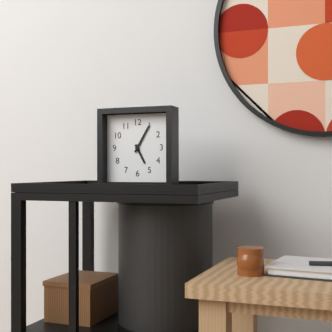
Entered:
5h05
